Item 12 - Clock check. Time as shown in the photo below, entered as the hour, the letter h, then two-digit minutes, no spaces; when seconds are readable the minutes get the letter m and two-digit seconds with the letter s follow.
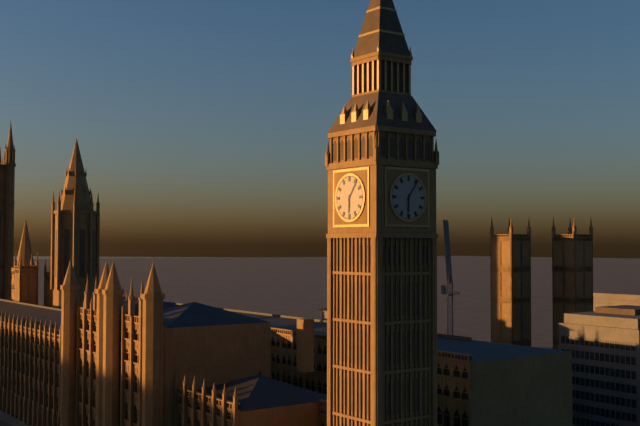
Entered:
6h06
